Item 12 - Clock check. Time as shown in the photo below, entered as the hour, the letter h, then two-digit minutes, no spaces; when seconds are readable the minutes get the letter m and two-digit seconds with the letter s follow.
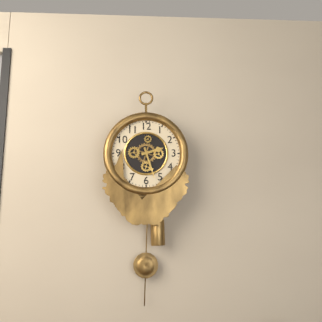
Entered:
2h27
